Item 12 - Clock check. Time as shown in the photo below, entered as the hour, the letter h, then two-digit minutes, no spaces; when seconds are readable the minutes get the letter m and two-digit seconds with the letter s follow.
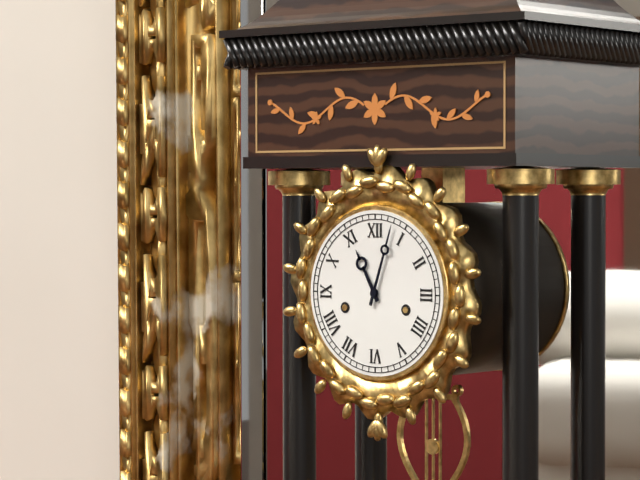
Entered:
11h03
